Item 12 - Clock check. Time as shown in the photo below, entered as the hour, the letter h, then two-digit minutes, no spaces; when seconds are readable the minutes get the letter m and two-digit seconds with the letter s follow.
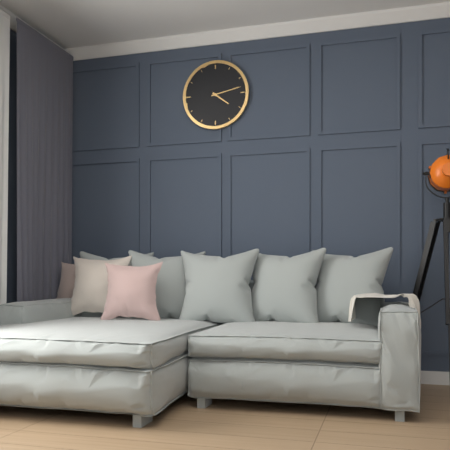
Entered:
4h13
